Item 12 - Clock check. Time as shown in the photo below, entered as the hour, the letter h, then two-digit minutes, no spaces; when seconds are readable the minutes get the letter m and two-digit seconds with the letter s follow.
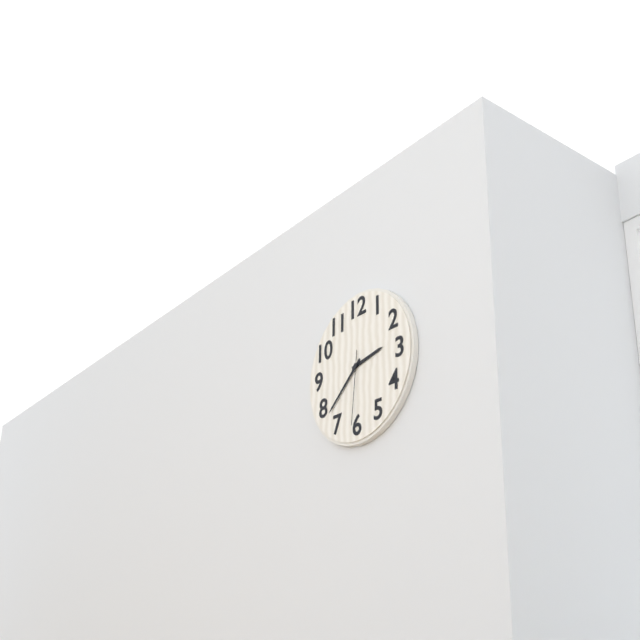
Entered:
2h38m31s
